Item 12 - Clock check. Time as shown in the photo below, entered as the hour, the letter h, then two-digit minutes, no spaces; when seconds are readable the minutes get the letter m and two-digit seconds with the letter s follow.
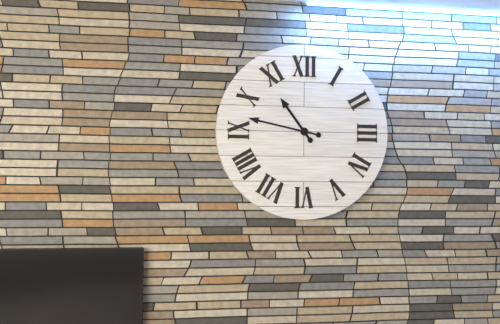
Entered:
10h47
